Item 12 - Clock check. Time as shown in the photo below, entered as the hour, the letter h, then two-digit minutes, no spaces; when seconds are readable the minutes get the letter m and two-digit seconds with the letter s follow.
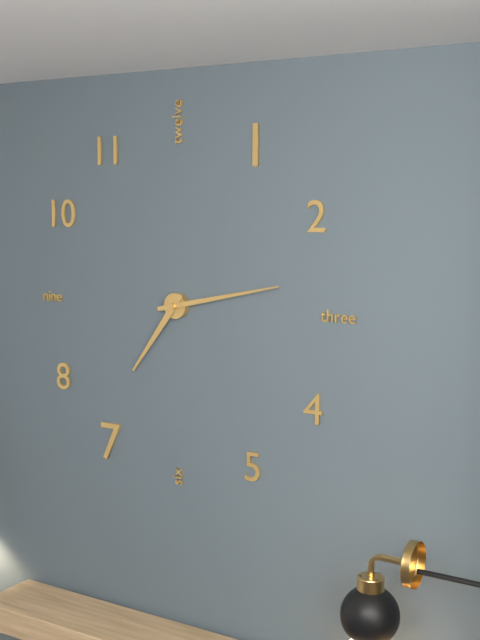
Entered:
7h13
